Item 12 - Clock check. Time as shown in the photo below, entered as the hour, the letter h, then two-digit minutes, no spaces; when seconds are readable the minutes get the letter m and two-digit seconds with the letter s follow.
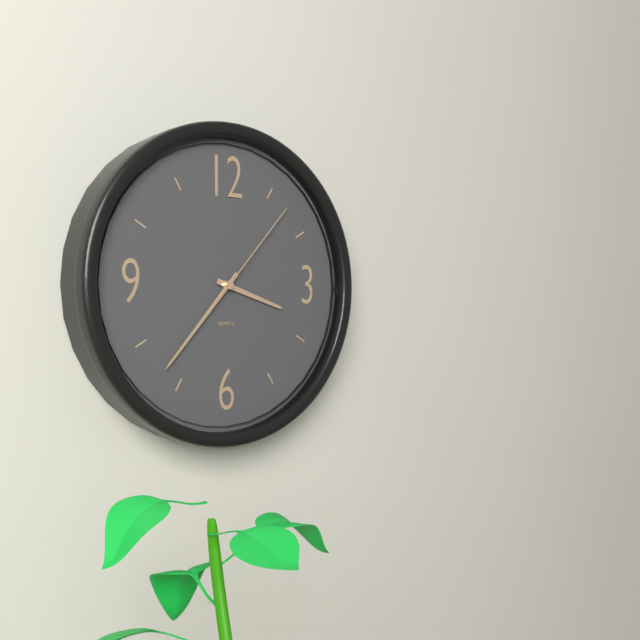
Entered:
3h37m07s
